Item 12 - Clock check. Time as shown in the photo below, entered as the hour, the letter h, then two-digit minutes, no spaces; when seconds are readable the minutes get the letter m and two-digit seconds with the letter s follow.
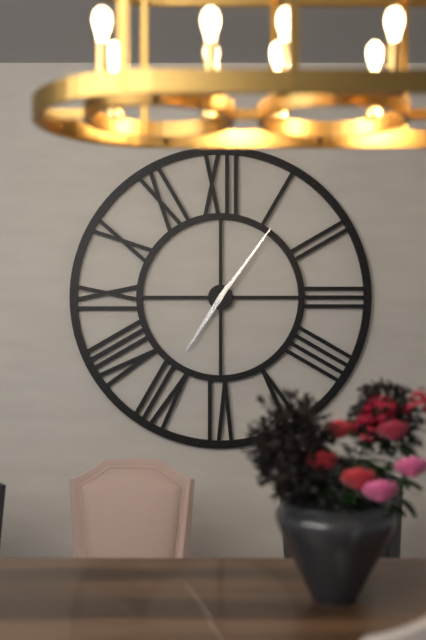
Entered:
7h06
